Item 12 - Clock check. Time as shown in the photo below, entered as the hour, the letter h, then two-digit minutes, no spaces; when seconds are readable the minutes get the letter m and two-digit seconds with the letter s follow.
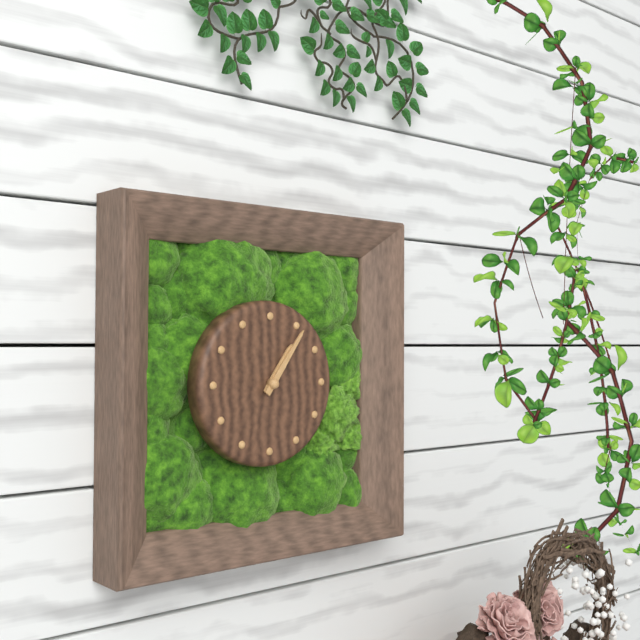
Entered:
1h06
